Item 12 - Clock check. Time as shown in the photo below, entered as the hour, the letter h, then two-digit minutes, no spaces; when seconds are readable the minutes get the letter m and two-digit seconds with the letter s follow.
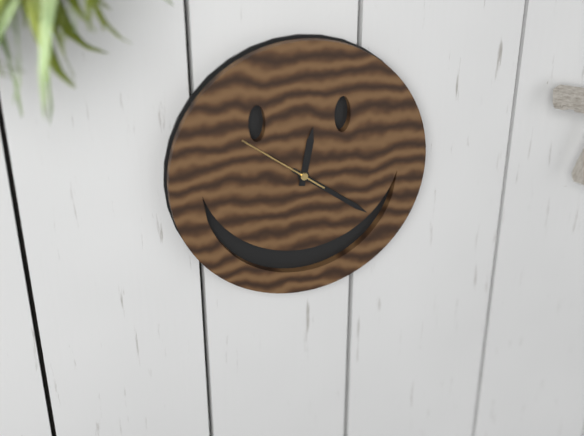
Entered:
12h21m51s
